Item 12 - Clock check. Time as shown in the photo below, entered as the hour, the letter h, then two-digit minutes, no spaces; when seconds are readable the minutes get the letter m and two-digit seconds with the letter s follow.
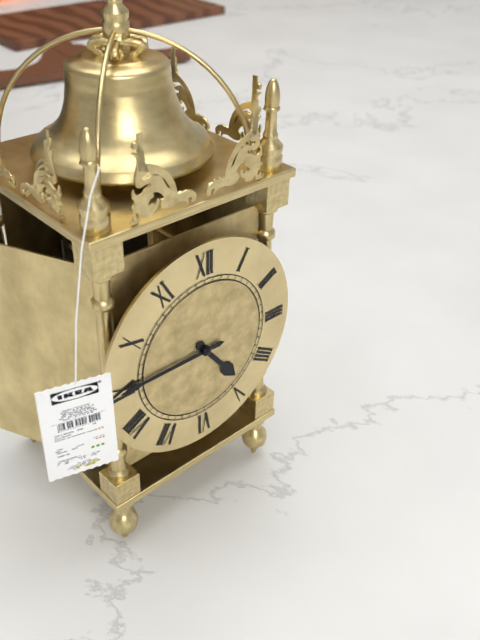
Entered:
4h45
